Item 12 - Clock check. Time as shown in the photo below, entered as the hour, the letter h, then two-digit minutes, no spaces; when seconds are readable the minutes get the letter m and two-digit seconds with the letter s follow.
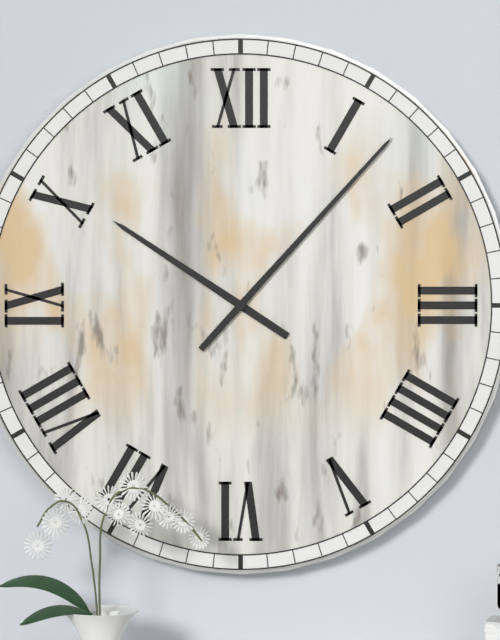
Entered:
10h07
